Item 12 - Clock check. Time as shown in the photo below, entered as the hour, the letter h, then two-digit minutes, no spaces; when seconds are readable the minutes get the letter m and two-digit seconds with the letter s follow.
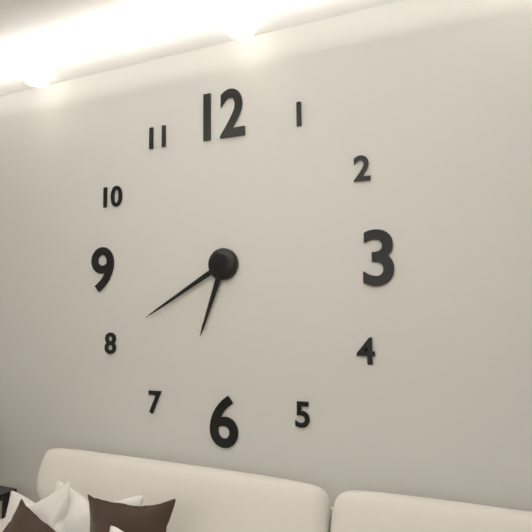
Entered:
6h40
